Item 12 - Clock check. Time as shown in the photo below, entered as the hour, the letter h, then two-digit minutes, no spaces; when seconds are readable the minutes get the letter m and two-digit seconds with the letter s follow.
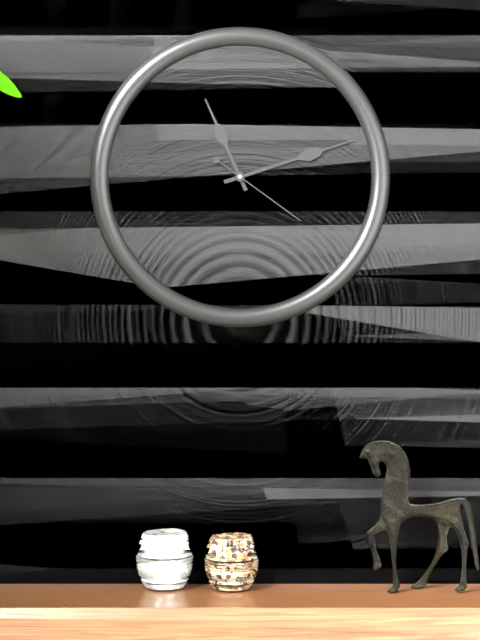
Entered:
11h12m21s
